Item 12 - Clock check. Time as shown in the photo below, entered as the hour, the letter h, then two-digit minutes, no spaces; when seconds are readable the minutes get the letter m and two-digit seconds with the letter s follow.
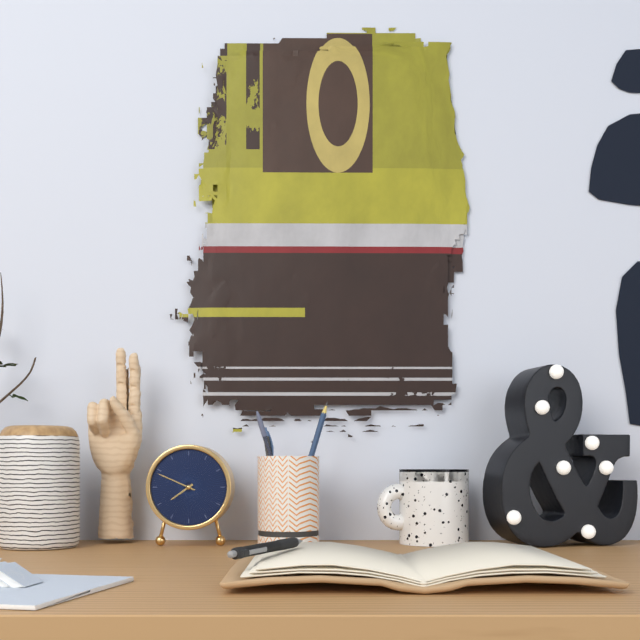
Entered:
7h49
